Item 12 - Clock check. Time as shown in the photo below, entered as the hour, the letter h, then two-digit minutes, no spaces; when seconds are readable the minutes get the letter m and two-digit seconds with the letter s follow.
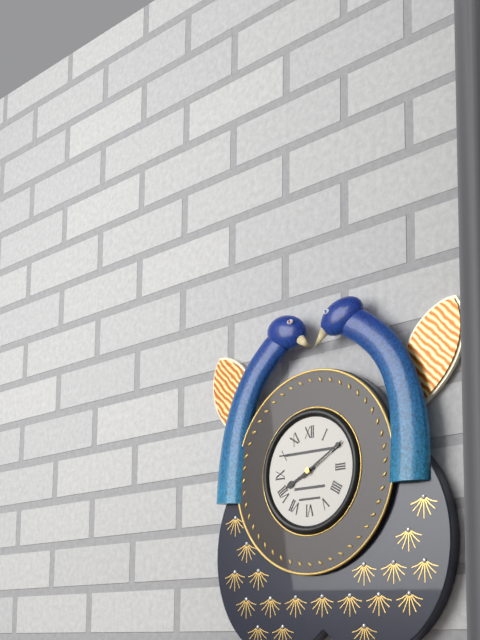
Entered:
8h10
